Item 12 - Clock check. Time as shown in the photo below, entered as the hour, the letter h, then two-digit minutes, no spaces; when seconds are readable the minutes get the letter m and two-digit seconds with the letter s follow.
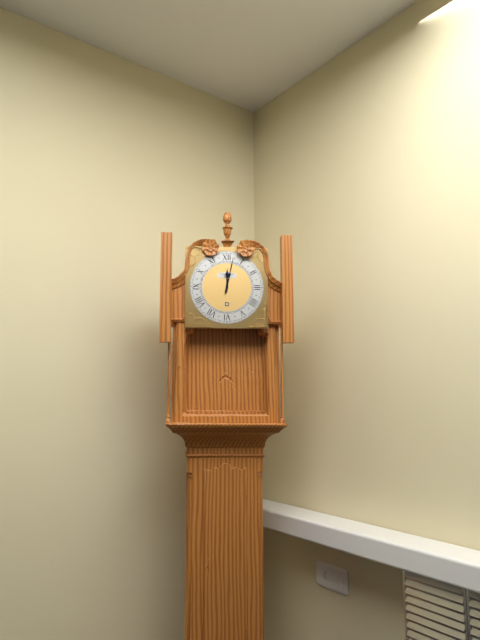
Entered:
12h02
